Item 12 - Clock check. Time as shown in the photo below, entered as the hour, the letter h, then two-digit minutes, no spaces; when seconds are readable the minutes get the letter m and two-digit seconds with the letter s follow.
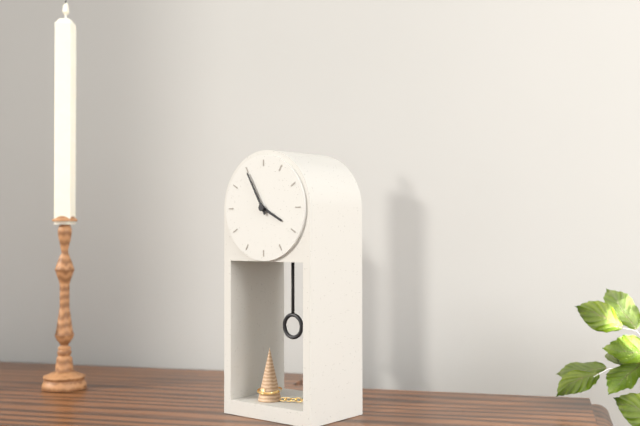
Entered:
3h55
